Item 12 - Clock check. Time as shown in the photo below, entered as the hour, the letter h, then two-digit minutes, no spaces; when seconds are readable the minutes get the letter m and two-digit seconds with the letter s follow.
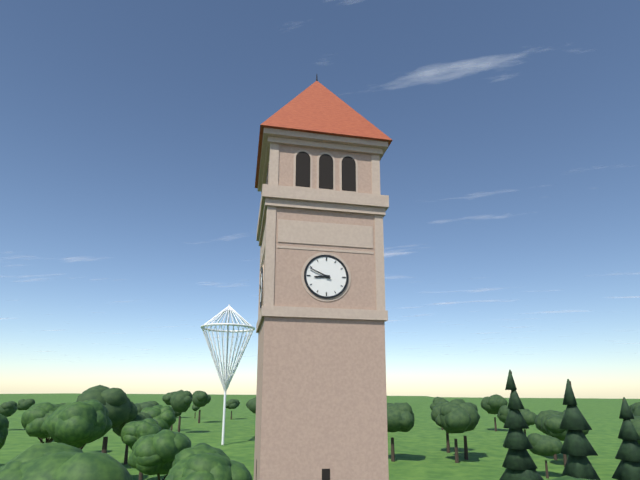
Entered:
8h49
